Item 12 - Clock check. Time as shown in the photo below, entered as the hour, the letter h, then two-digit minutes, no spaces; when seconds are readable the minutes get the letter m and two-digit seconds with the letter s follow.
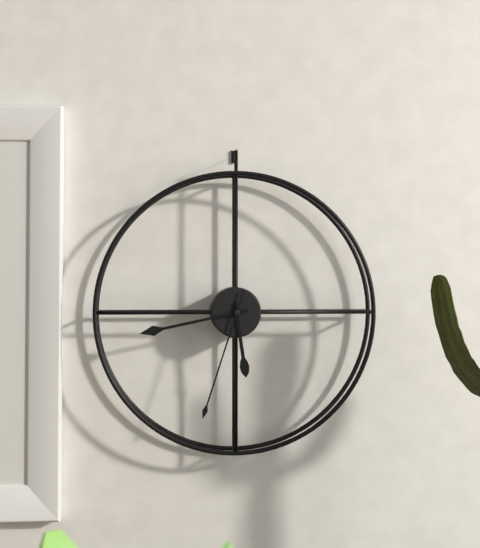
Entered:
5h43m33s
